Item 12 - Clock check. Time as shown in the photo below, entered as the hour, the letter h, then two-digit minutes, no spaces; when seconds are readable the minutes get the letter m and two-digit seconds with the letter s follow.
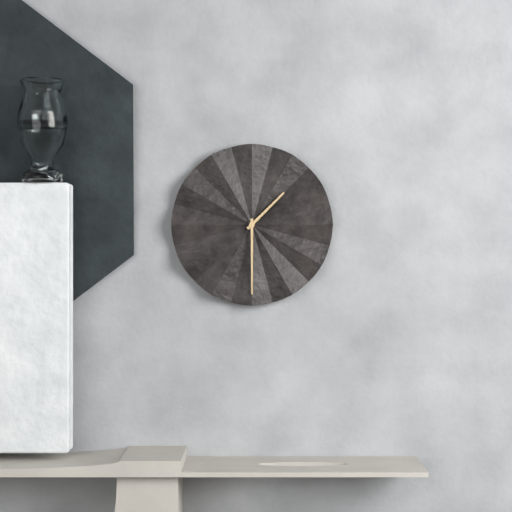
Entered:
1h30
